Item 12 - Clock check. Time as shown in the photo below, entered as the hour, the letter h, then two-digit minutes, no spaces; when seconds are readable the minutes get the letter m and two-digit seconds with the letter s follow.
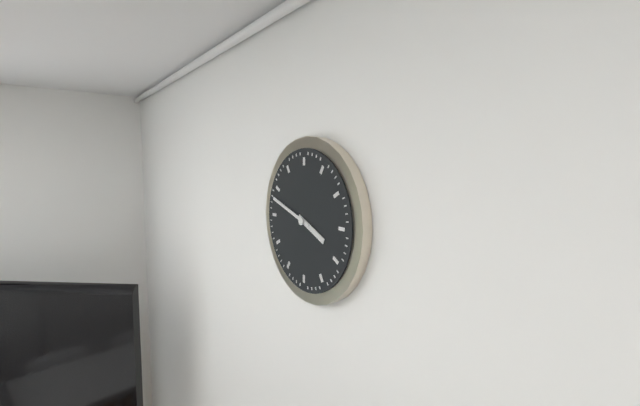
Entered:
3h48
